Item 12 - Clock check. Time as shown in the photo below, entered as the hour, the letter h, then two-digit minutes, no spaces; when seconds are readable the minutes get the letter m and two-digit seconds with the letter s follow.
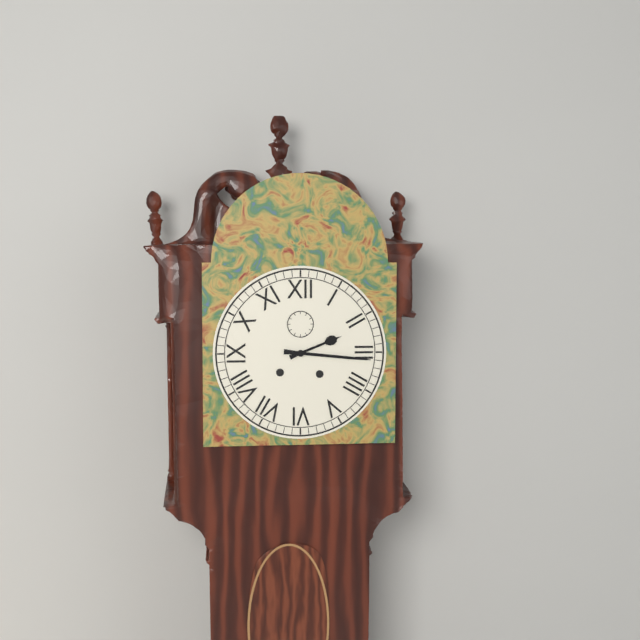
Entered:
2h16
